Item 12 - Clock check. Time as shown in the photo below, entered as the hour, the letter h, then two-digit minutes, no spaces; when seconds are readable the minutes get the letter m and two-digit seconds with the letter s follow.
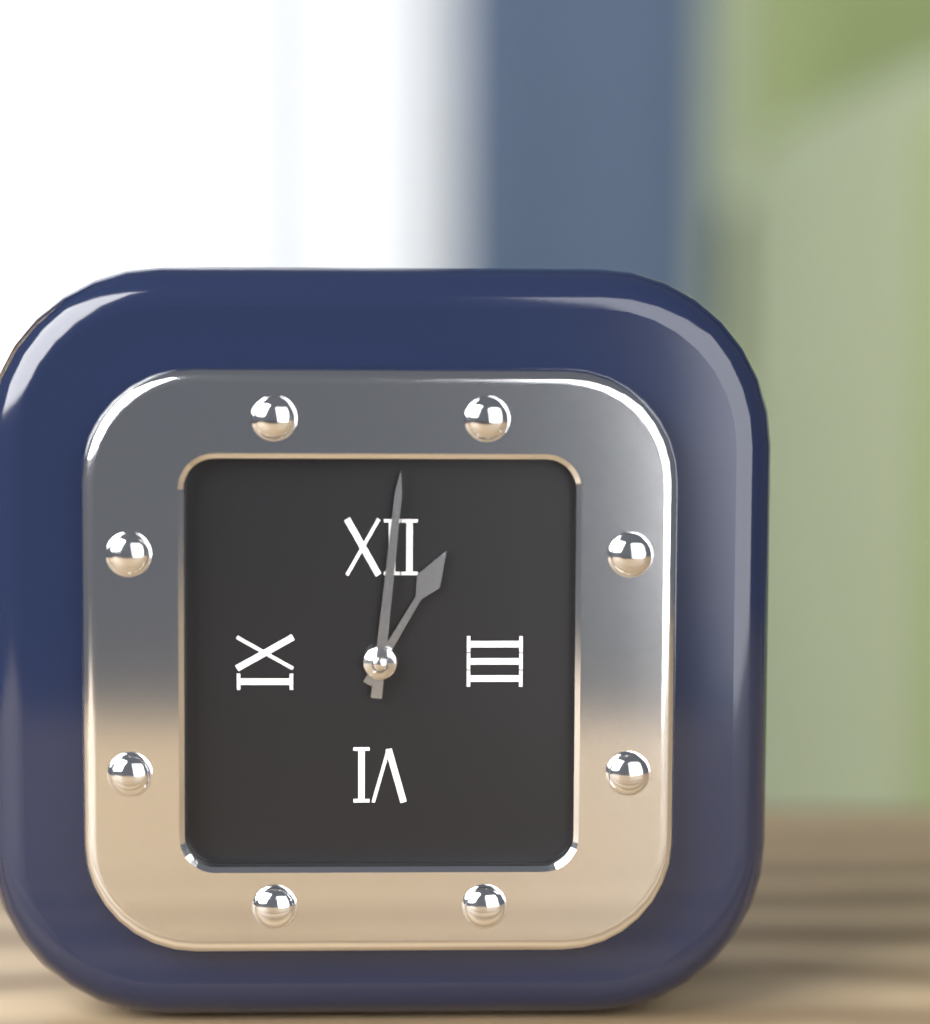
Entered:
1h01
